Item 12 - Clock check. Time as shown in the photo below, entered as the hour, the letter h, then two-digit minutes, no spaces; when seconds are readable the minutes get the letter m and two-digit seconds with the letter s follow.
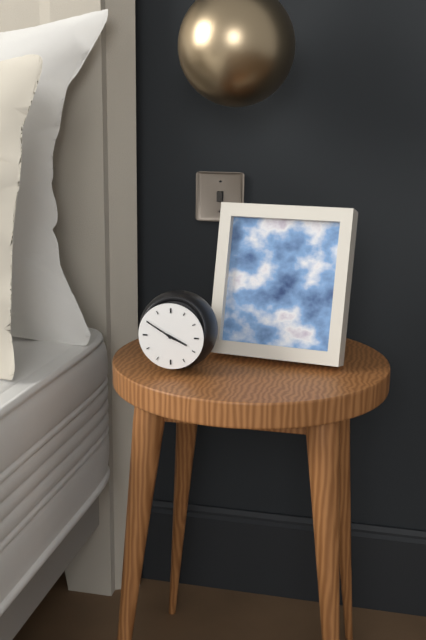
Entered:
3h50
